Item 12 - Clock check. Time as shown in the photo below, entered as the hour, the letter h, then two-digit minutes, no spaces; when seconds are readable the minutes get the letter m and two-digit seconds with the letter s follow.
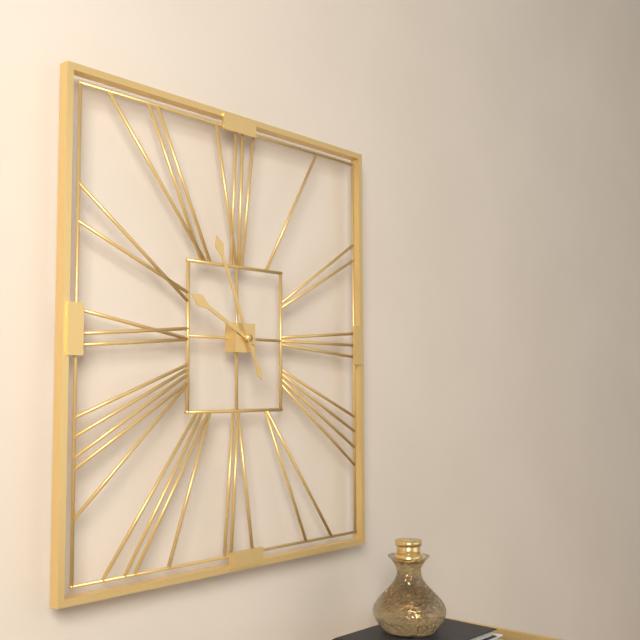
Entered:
9h56
